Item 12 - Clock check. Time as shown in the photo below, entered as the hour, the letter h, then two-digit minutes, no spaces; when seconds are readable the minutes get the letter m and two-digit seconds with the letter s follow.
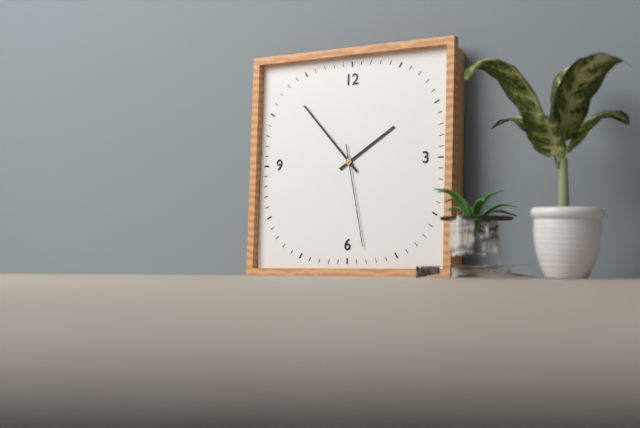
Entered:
1h53m28s
